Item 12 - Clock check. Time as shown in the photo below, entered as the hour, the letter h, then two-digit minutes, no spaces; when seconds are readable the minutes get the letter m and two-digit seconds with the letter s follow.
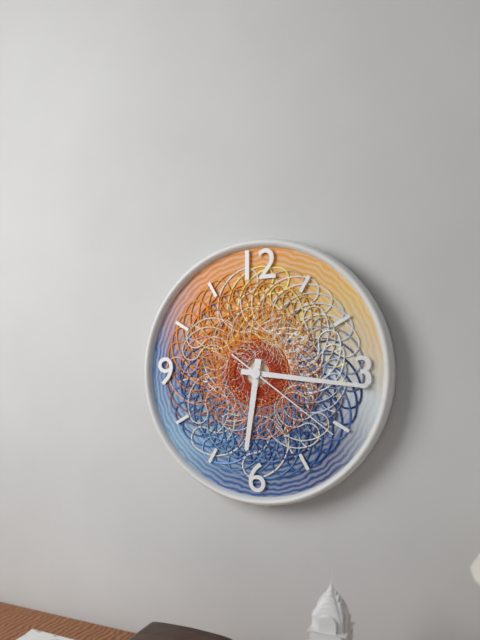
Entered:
6h16m21s
